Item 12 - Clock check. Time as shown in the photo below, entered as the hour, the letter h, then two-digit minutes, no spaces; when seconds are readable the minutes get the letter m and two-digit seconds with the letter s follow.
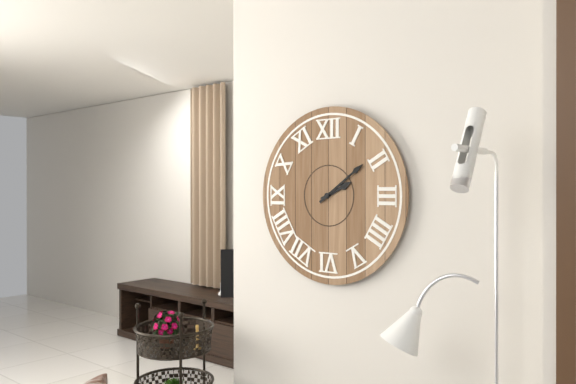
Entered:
2h09
